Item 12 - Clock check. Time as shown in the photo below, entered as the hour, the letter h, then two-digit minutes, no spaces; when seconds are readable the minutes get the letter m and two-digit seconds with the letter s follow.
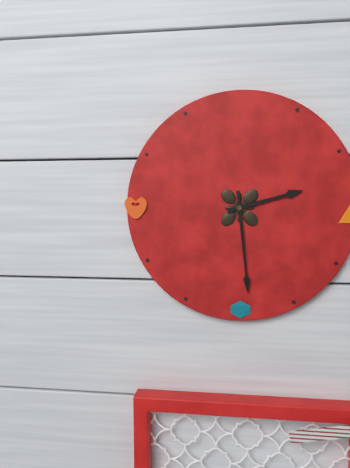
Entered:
2h29
